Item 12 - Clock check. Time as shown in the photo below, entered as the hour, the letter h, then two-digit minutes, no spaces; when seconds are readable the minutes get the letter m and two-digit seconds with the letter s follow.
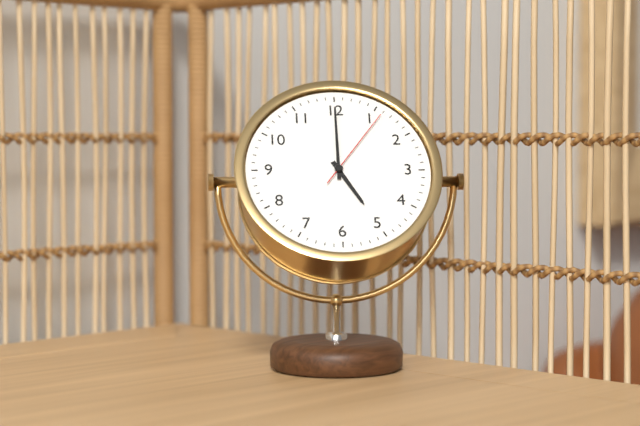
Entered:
5h00m06s
